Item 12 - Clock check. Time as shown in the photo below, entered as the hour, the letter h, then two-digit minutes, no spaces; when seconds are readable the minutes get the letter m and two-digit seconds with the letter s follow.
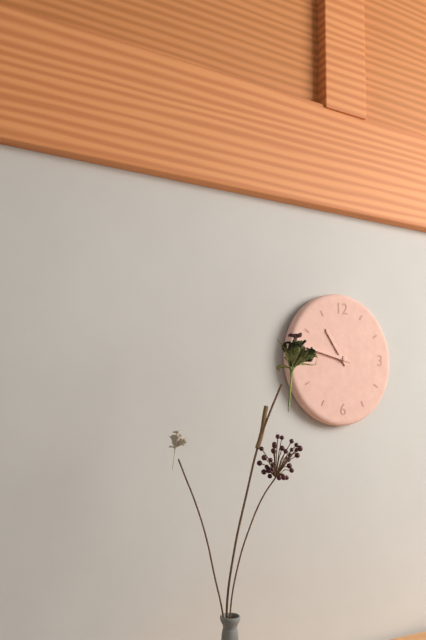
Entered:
10h47
